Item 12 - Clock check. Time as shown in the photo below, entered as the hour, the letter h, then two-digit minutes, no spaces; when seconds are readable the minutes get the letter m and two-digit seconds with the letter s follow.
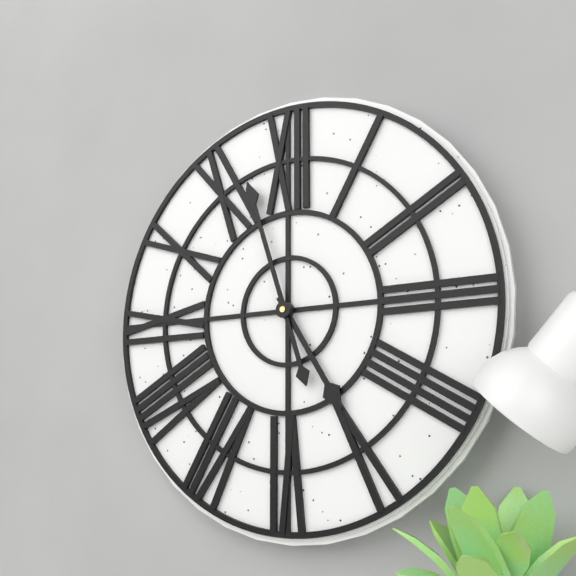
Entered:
4h57
